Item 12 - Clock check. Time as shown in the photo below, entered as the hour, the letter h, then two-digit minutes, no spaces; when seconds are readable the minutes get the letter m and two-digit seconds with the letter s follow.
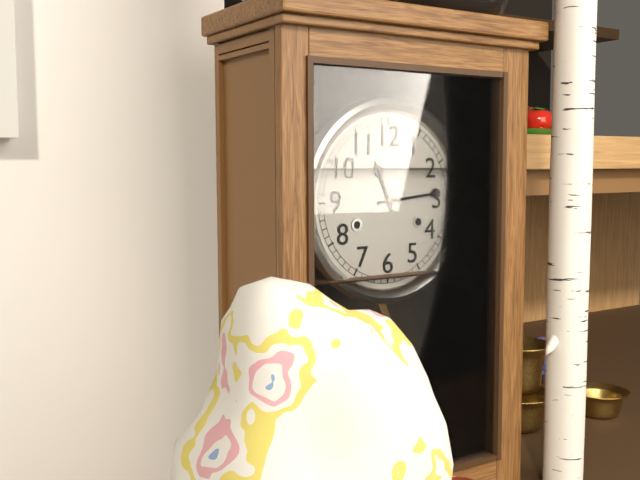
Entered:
11h14
